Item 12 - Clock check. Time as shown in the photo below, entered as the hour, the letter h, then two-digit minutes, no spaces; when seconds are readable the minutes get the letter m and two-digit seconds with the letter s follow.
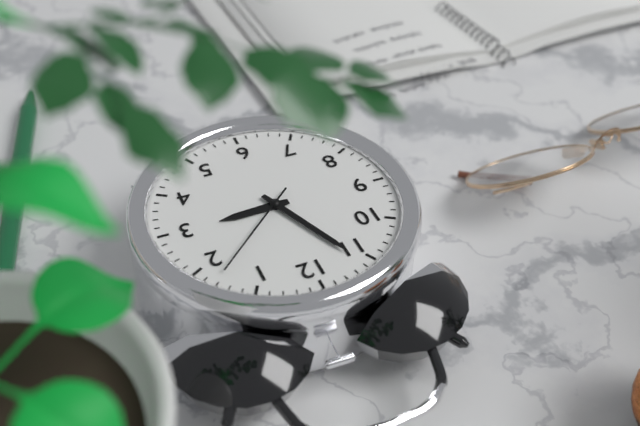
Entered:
2h56m08s
